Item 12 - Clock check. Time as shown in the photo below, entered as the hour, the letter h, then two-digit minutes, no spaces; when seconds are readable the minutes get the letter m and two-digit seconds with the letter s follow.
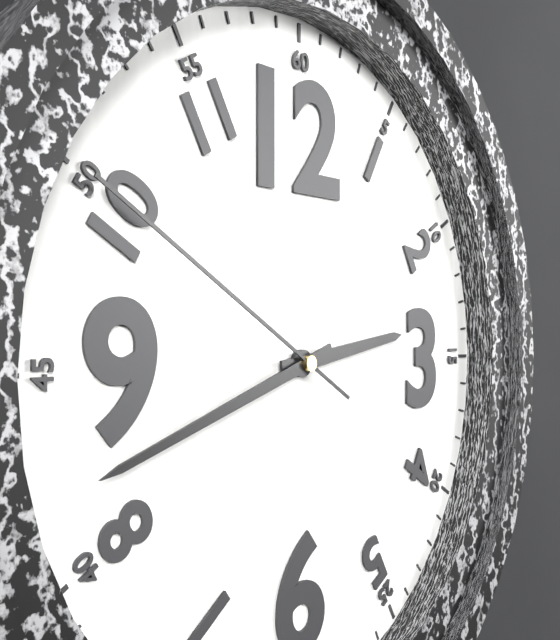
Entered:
2h42m50s
